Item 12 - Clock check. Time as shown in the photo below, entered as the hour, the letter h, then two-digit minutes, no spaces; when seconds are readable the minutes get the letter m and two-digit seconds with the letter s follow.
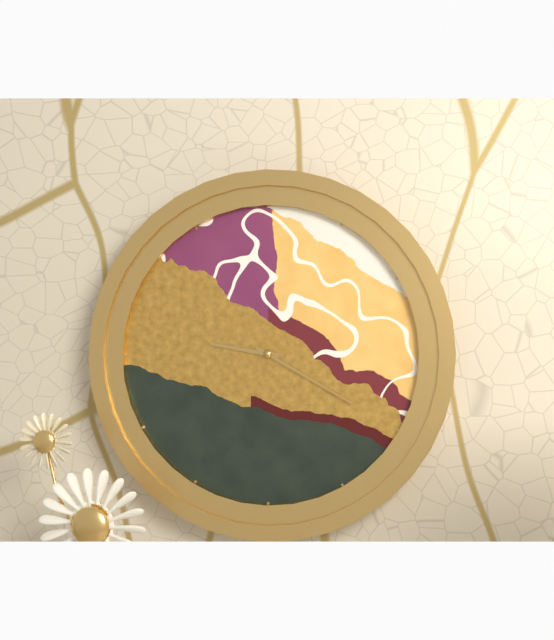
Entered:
9h20
